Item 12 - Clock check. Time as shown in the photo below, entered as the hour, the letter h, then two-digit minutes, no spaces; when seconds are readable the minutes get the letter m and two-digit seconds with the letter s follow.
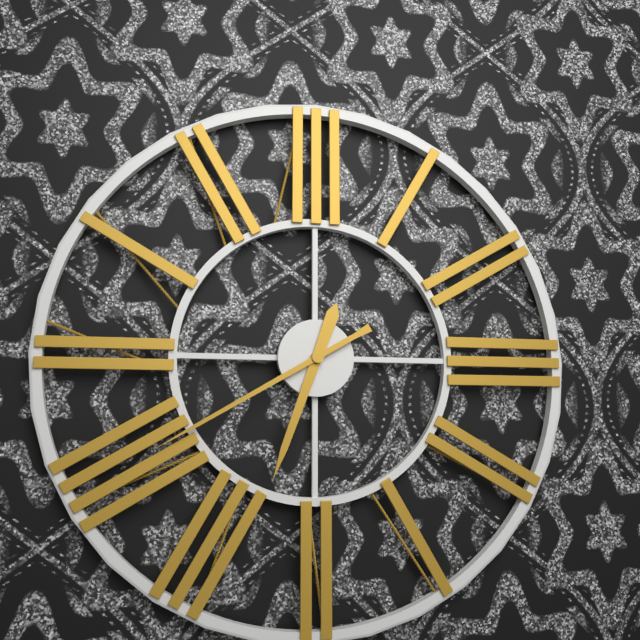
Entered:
6h40
